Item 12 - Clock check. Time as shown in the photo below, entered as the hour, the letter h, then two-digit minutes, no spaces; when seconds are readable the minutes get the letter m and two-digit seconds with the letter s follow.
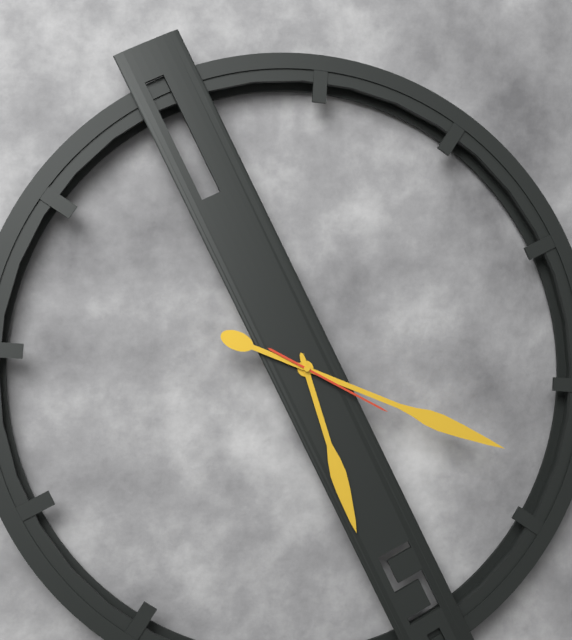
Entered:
5h18m19s
